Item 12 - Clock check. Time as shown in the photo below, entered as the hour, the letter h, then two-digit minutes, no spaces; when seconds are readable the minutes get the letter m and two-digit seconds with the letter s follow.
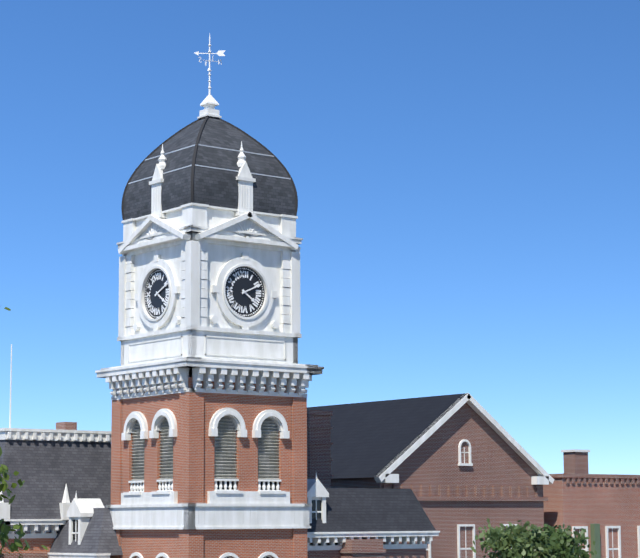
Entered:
4h11
